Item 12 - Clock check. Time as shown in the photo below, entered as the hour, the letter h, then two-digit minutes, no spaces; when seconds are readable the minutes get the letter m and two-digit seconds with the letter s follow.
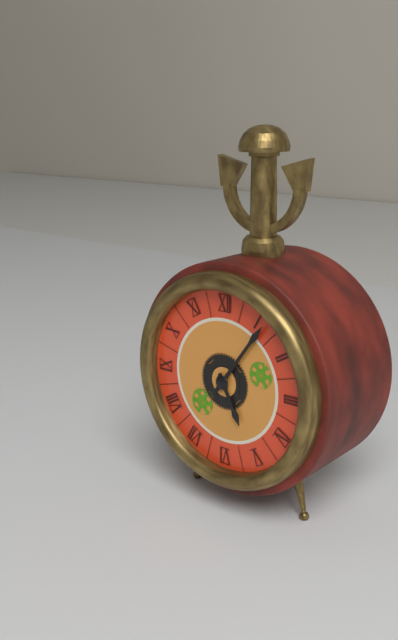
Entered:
5h06
